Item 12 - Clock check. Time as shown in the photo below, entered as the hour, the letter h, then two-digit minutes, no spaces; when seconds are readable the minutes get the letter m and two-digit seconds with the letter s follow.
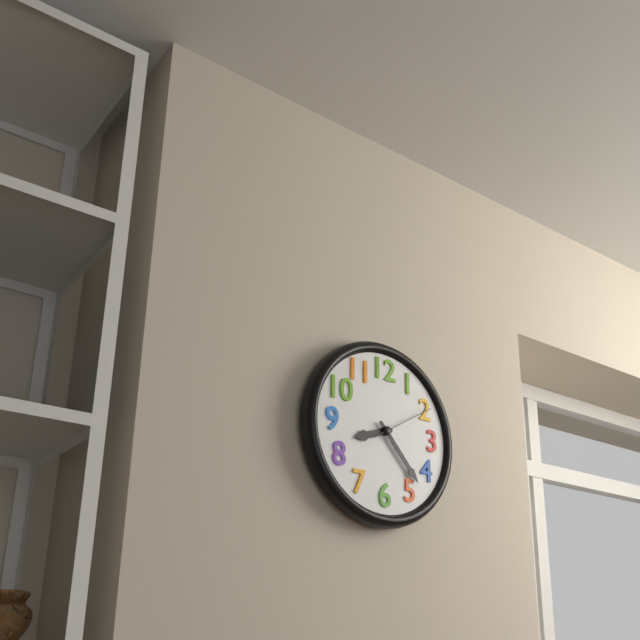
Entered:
8h23m10s
